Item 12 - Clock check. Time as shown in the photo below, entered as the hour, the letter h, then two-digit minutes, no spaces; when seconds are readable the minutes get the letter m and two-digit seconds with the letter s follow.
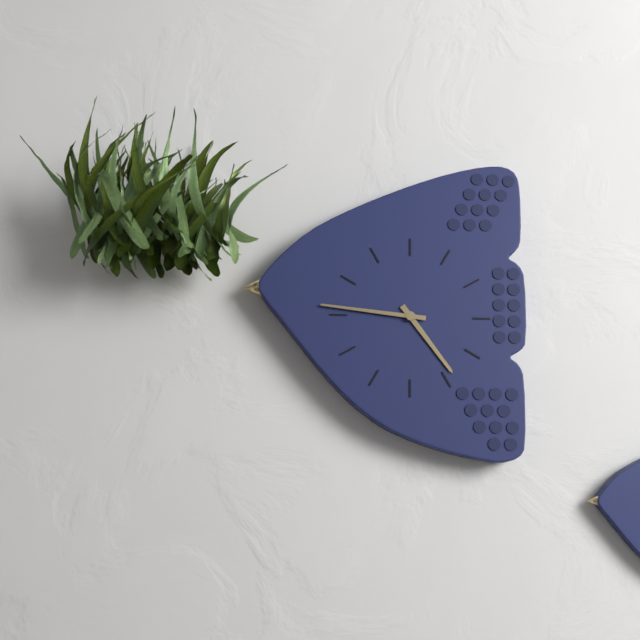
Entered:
4h46
